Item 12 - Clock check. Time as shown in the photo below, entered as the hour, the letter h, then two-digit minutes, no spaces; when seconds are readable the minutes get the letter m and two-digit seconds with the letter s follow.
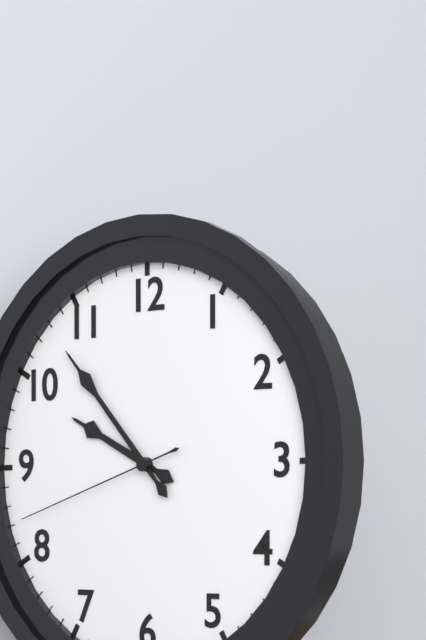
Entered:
9h53m42s
